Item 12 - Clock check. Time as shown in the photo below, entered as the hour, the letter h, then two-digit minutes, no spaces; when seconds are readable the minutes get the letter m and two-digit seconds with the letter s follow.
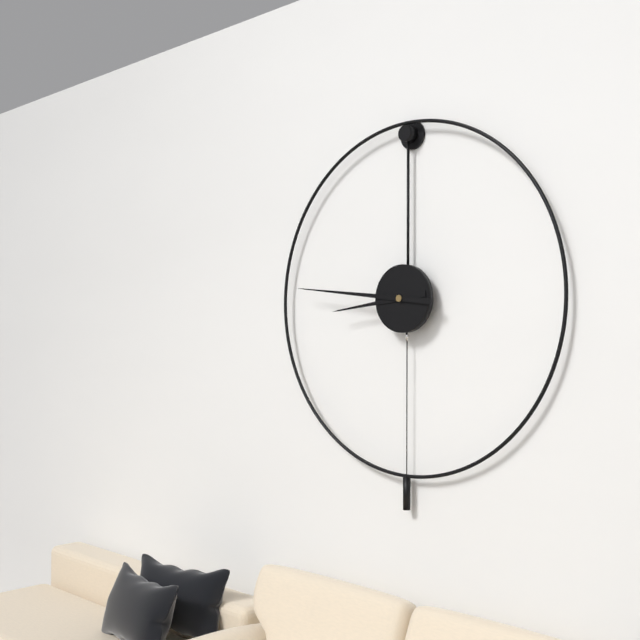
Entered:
8h46
